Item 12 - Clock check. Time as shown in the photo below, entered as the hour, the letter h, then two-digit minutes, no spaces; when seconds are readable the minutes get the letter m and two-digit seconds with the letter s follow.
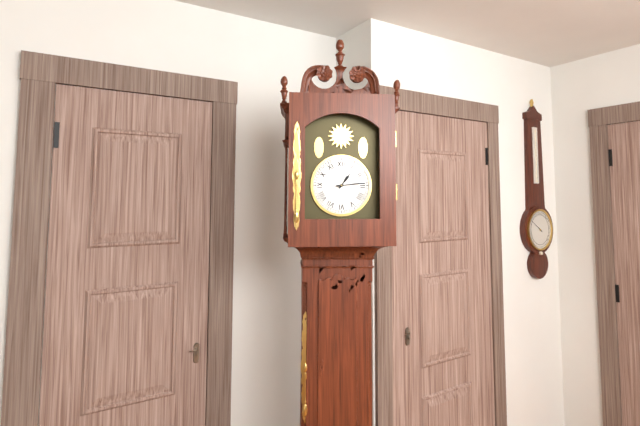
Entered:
1h14
